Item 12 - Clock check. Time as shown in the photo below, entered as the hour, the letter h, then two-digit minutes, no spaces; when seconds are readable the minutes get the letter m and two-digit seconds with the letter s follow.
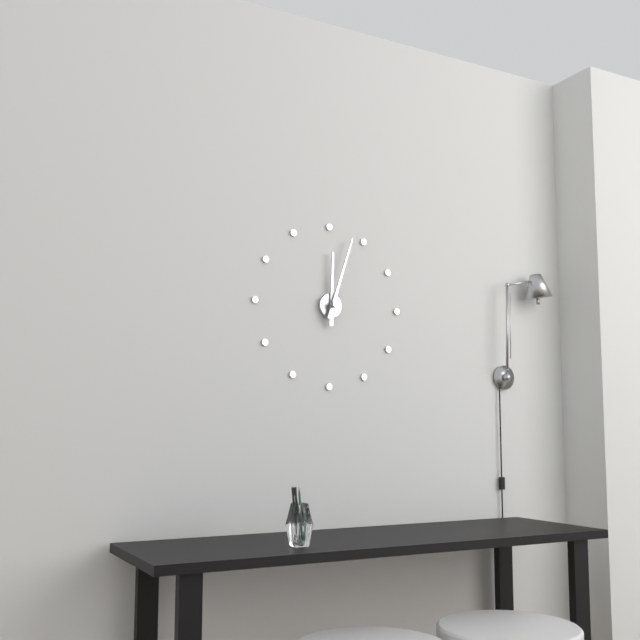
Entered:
12h03
